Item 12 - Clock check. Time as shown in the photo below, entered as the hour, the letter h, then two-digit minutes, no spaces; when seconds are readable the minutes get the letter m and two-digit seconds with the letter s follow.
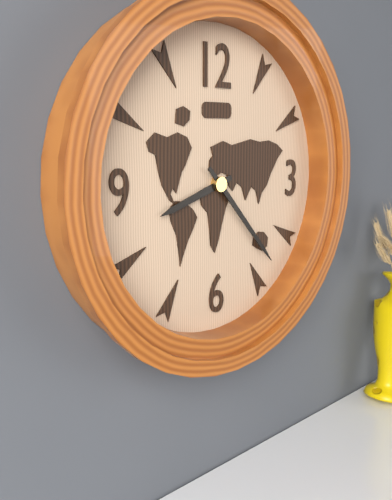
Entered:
8h23
